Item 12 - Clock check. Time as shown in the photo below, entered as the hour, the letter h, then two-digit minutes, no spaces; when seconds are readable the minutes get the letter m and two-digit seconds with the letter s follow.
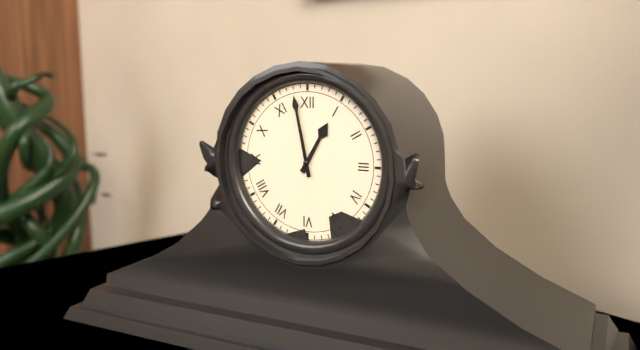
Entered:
12h58
